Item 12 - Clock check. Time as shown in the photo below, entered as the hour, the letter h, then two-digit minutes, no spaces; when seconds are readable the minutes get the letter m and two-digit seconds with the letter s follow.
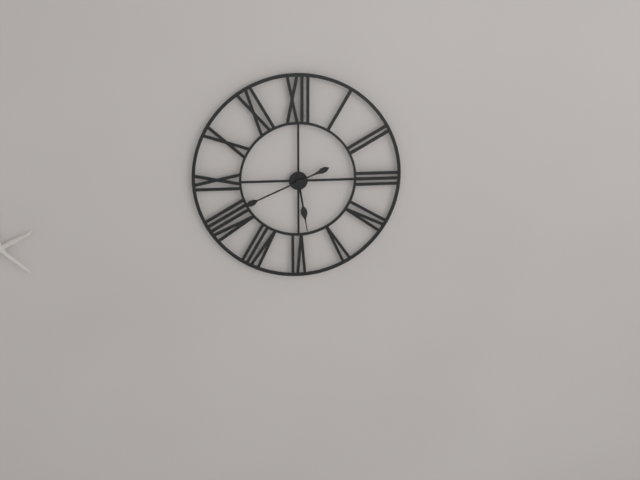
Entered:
5h41
